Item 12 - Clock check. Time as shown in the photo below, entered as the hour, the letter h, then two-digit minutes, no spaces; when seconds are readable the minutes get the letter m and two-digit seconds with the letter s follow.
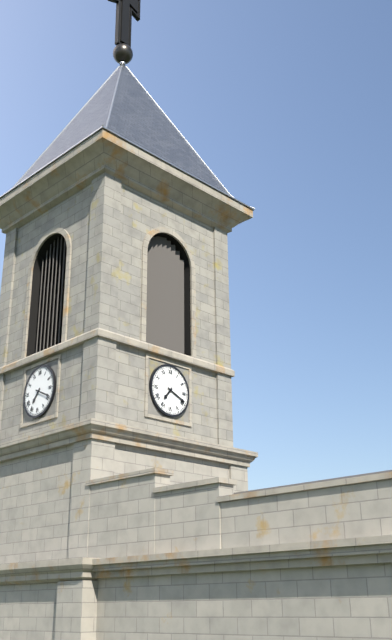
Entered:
7h19
